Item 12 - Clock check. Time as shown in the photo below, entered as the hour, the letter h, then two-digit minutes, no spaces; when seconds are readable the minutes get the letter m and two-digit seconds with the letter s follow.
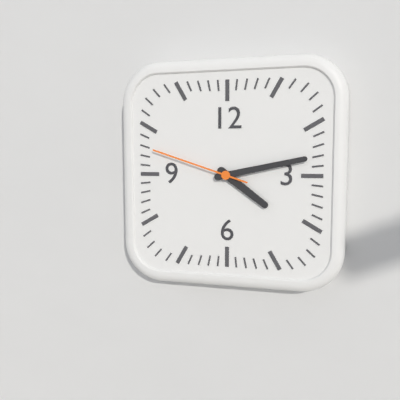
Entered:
4h13m48s
